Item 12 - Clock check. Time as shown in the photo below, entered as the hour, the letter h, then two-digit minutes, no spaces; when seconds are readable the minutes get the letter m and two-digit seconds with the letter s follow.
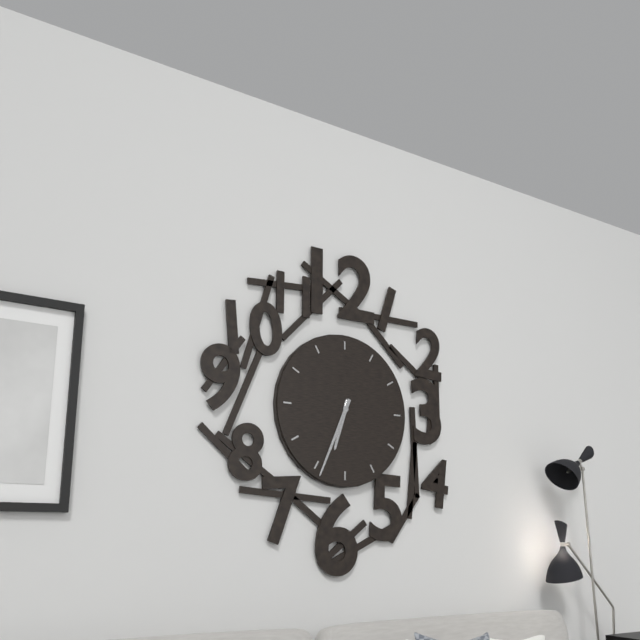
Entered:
6h34
